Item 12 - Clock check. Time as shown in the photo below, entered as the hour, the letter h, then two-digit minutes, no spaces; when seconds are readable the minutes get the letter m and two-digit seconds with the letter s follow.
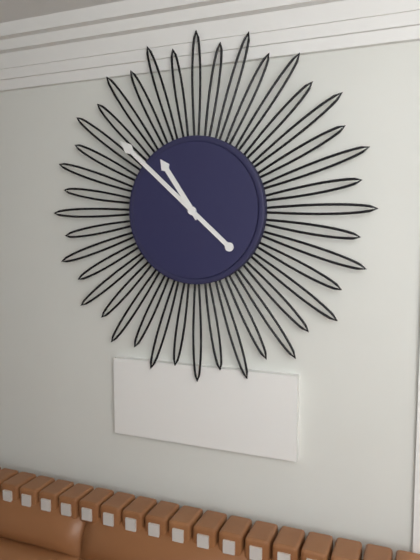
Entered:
10h52
